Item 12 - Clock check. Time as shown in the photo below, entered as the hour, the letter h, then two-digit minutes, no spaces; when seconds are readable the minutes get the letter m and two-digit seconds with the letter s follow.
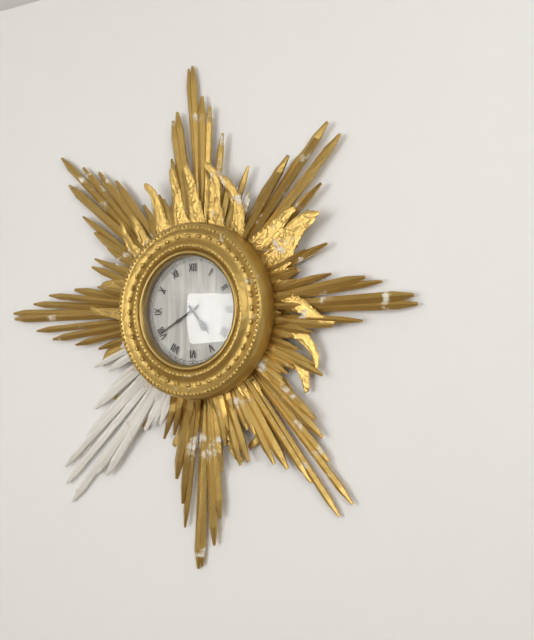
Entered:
4h40
